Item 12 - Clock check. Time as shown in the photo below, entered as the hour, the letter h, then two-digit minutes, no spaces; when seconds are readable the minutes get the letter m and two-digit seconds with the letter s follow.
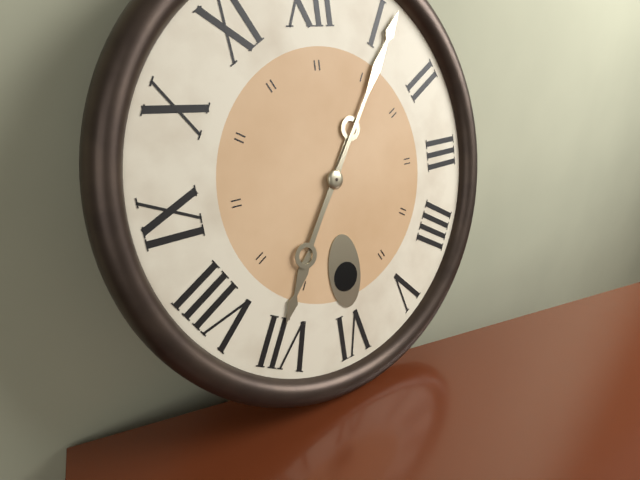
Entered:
7h06
